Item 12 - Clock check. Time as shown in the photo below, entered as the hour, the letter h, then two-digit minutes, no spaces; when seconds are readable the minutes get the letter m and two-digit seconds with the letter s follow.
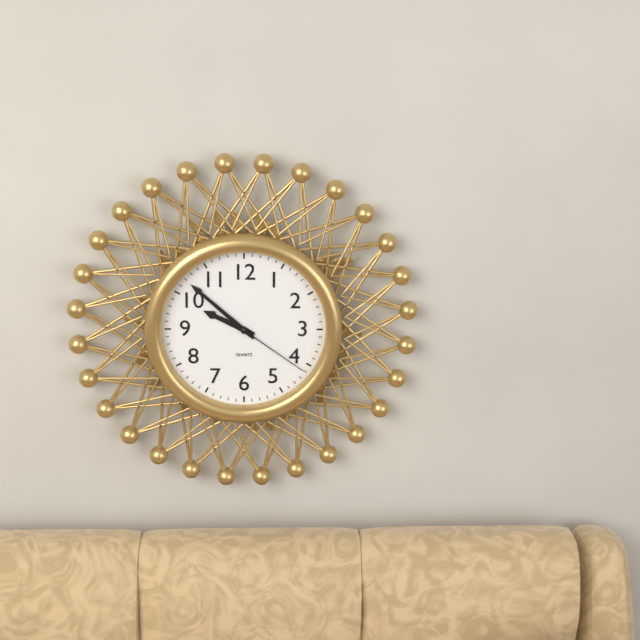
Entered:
9h52m21s
